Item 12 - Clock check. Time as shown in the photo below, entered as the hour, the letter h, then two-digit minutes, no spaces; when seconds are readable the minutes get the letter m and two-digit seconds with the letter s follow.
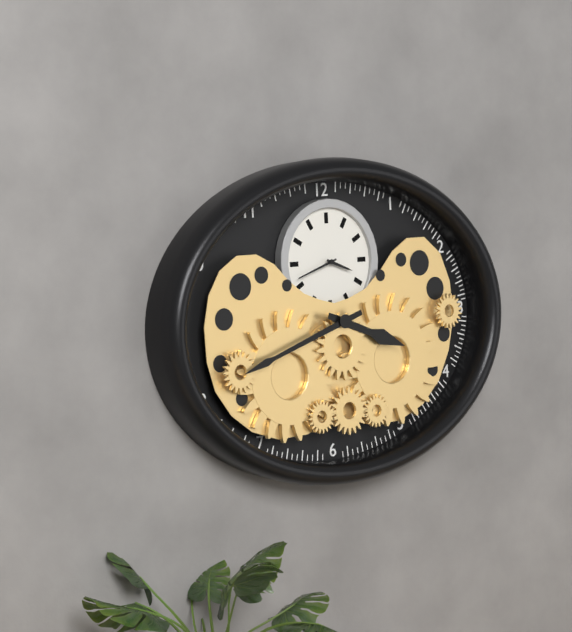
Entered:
3h42
